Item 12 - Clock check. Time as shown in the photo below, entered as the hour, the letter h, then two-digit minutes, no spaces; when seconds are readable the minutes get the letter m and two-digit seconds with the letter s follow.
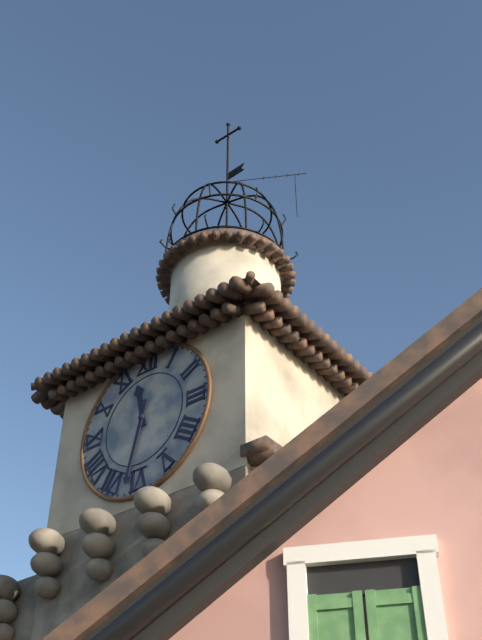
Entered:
11h32
